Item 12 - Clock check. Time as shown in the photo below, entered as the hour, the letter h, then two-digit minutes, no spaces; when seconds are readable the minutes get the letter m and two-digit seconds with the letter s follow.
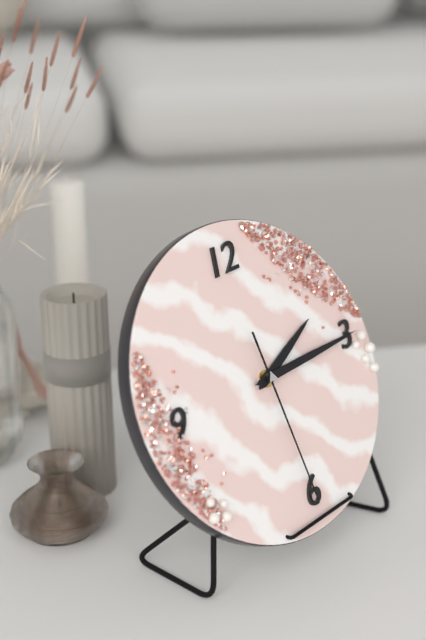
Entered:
2h15m30s
